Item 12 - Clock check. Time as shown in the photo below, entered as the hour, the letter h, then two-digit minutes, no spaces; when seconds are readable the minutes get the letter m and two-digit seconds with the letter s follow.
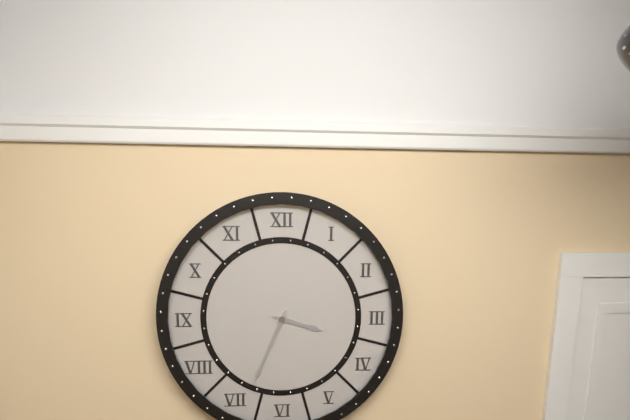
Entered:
3h34
